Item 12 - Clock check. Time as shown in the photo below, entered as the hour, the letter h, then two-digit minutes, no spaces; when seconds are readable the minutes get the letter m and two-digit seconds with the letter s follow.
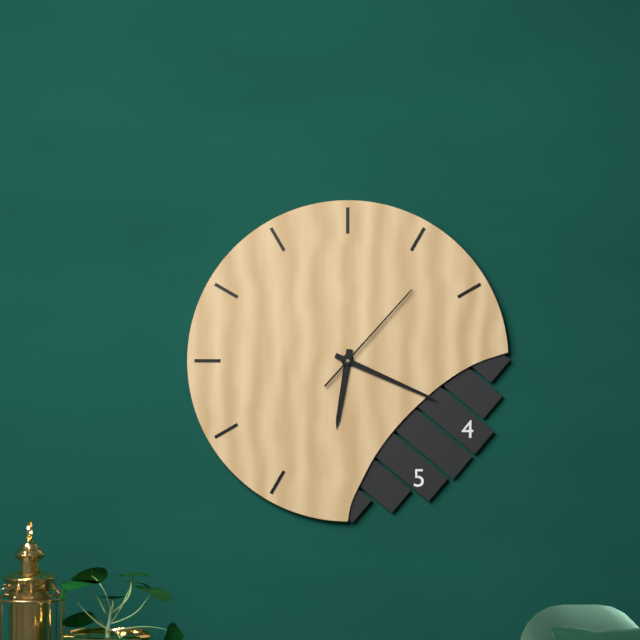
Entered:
6h19m07s
